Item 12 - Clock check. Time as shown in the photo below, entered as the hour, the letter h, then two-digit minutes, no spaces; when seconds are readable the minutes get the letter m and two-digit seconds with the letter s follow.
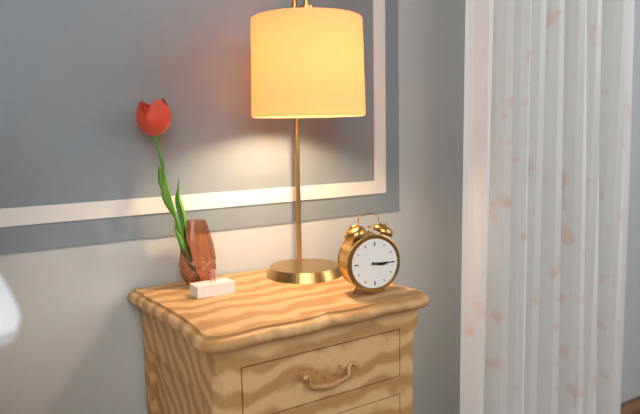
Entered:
3h15
